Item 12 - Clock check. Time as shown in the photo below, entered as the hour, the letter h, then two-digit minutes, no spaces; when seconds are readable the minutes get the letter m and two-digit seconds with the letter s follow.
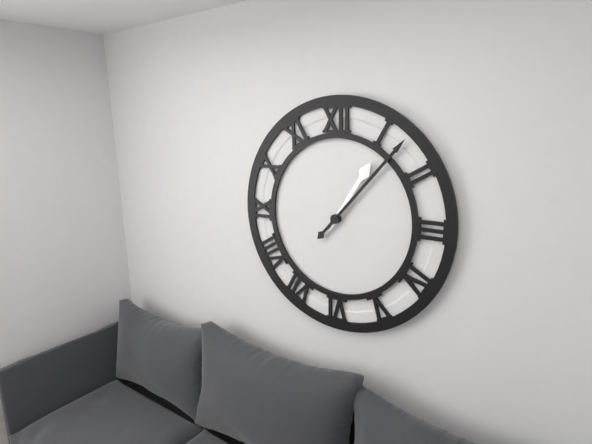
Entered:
1h07
